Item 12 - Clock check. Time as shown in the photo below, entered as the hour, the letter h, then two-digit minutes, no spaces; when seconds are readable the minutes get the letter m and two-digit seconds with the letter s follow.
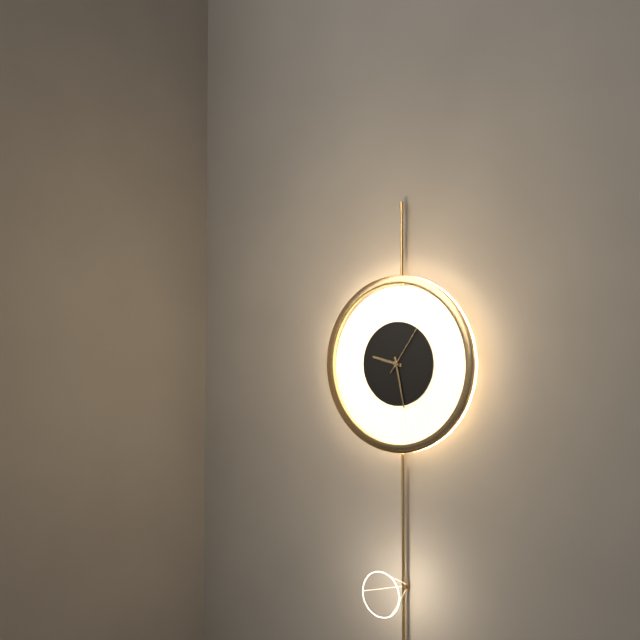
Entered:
9h28m06s
